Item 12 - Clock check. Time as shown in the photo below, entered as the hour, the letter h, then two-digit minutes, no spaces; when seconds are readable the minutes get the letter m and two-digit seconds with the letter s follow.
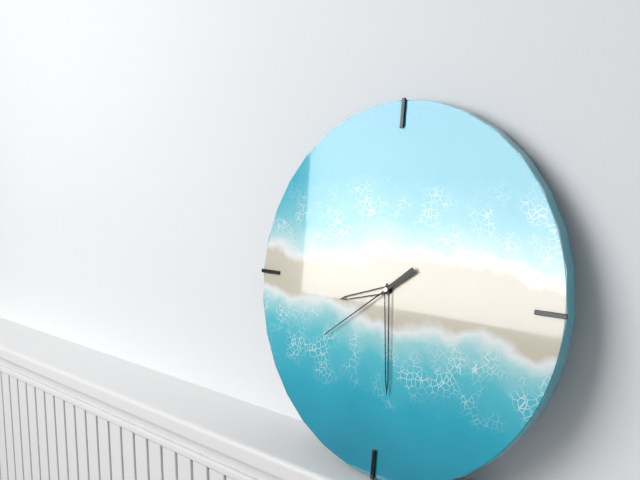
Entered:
8h29m39s
